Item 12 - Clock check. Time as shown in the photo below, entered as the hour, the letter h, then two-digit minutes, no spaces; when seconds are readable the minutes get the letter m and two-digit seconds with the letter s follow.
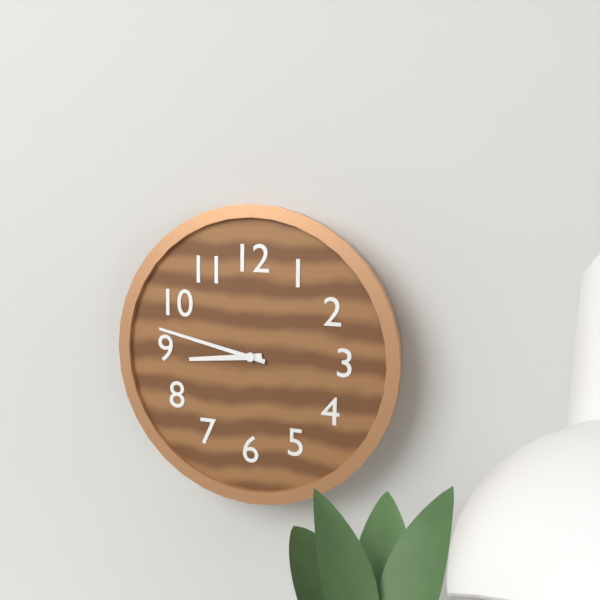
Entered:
8h47
